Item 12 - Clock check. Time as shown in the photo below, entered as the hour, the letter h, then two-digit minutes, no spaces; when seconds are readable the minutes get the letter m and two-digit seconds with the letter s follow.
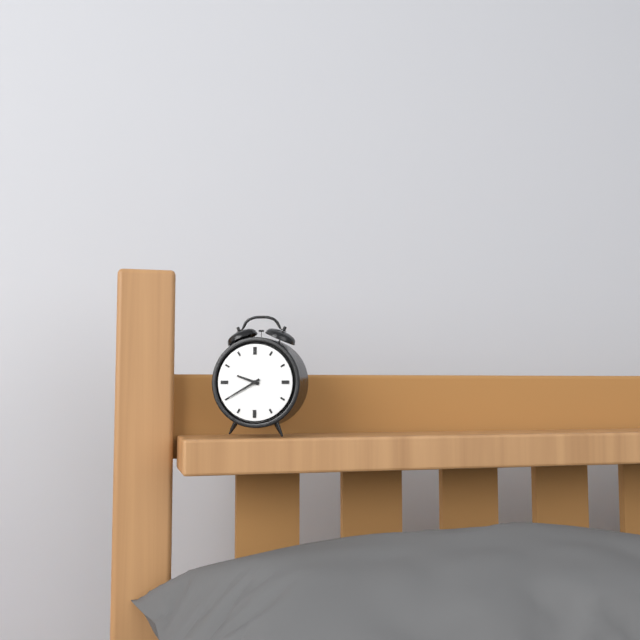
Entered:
9h40
